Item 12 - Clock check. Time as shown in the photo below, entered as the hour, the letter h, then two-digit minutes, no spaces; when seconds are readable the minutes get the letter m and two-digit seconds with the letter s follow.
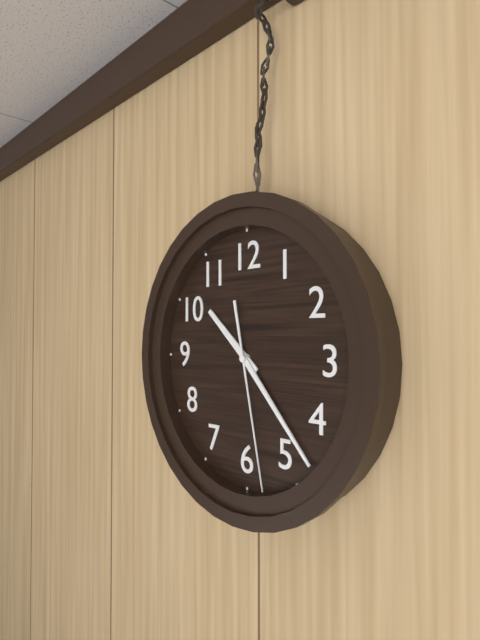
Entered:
10h23m28s
